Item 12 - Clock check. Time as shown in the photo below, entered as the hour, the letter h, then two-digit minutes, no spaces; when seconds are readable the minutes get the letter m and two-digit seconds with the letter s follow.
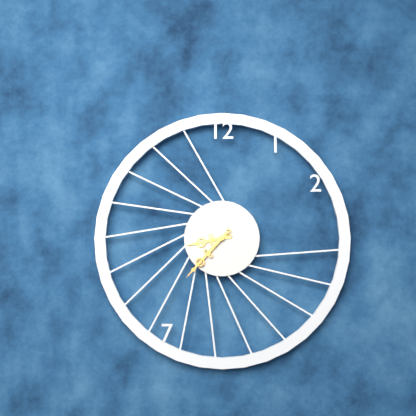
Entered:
8h37
